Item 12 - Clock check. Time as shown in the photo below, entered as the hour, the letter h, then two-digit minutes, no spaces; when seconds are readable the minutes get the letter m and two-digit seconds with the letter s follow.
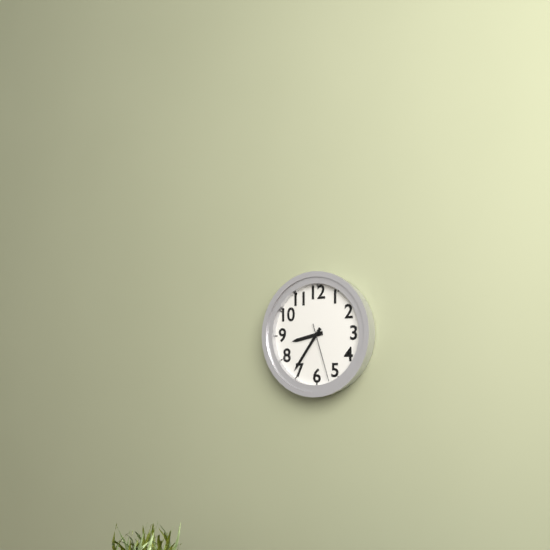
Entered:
8h36m27s
